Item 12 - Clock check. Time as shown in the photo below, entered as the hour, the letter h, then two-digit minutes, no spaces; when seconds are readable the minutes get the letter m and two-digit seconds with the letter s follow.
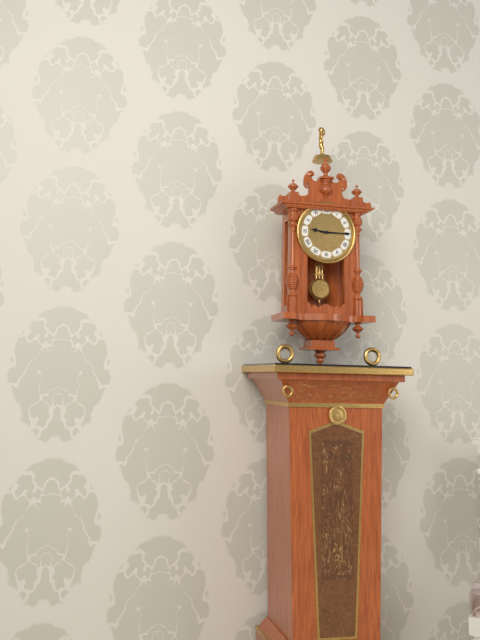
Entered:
9h15
